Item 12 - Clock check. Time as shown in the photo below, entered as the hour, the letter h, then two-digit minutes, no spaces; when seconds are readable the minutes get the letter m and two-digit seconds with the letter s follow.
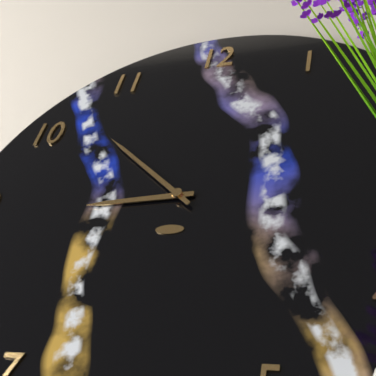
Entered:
8h52
